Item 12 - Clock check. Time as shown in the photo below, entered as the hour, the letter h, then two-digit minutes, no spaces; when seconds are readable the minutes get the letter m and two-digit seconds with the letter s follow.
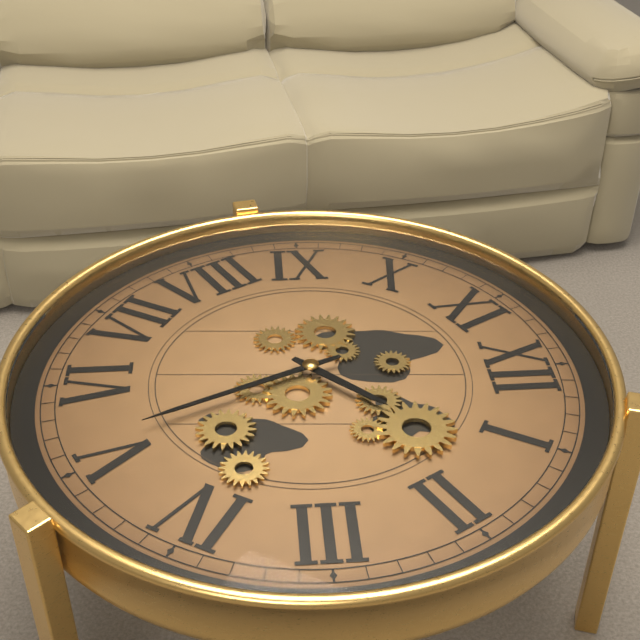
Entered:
1h26
